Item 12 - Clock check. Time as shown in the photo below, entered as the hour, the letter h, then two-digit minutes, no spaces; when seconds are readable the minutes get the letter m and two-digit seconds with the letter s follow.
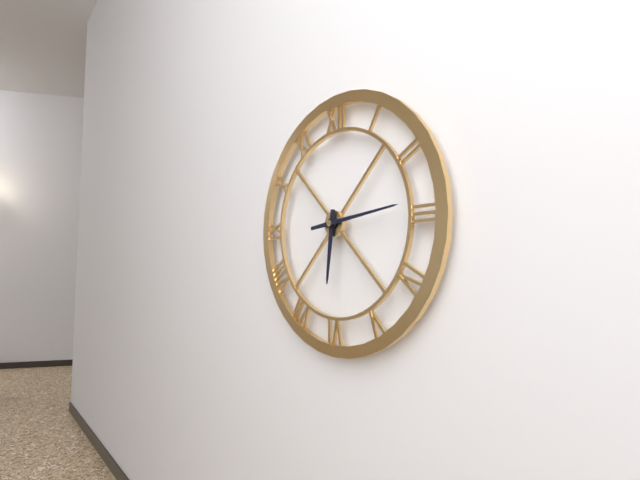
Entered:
6h14
